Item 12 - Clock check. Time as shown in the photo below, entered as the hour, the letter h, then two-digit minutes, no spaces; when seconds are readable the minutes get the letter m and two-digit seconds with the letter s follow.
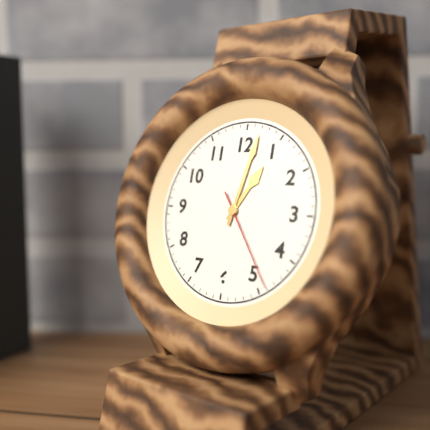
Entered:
1h02m24s
